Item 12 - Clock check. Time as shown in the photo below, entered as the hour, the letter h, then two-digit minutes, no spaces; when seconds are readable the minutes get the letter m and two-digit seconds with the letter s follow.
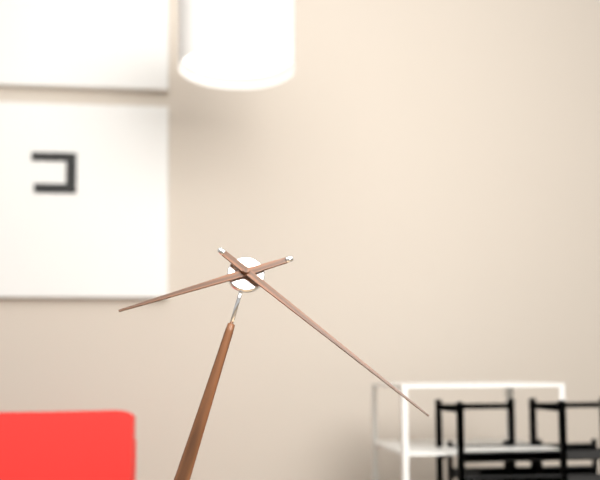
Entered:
8h22
